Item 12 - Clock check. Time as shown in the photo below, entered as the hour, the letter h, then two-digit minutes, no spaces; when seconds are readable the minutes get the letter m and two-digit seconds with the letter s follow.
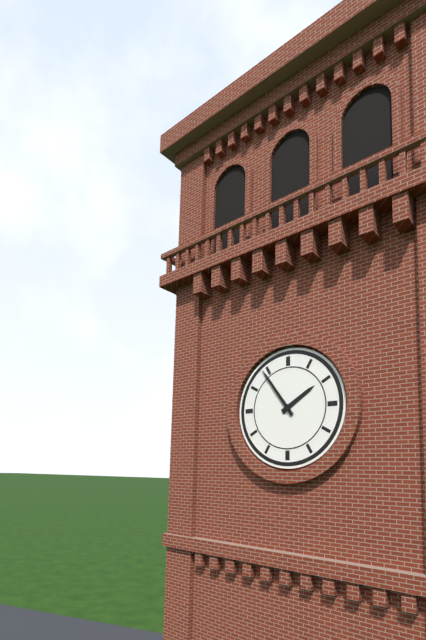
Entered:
1h54
